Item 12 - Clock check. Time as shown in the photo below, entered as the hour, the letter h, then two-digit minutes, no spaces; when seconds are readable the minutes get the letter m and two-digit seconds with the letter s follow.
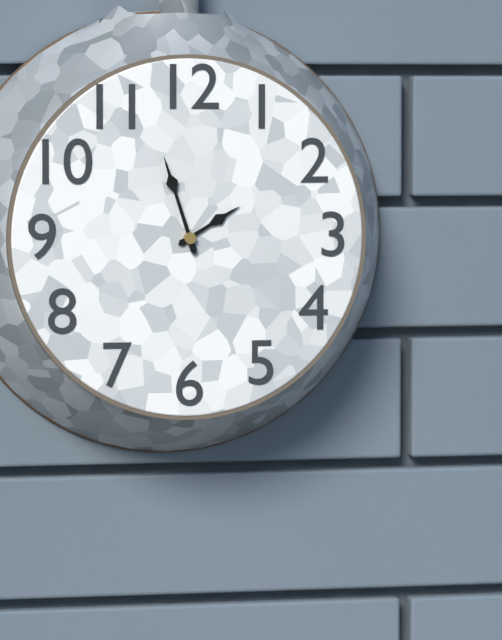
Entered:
1h57
